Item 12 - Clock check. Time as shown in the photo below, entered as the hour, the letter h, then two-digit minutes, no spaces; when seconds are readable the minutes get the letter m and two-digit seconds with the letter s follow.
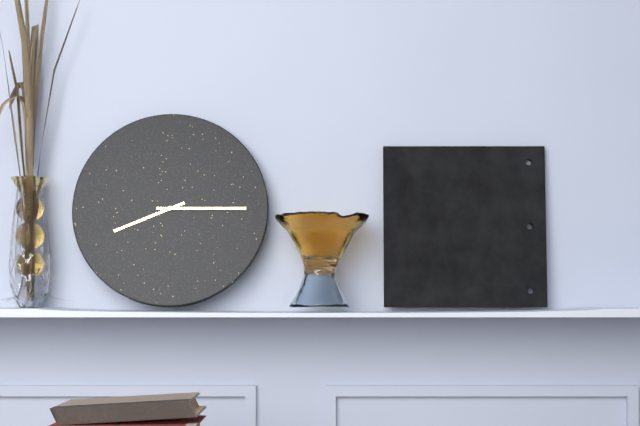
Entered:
8h15
